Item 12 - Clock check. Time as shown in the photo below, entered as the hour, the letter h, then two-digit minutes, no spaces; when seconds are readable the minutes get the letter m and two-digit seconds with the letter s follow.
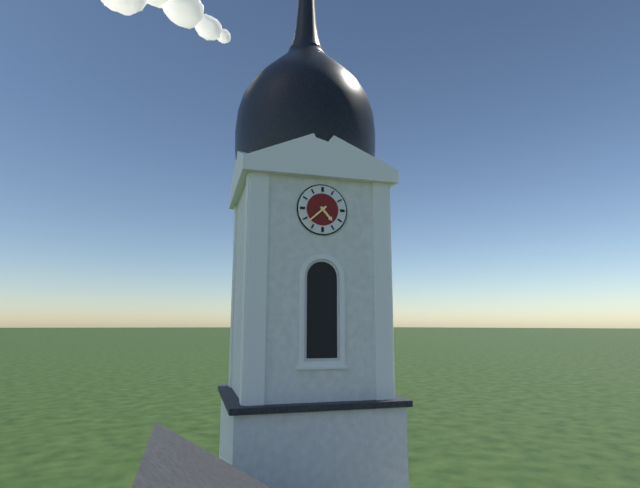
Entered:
4h38
